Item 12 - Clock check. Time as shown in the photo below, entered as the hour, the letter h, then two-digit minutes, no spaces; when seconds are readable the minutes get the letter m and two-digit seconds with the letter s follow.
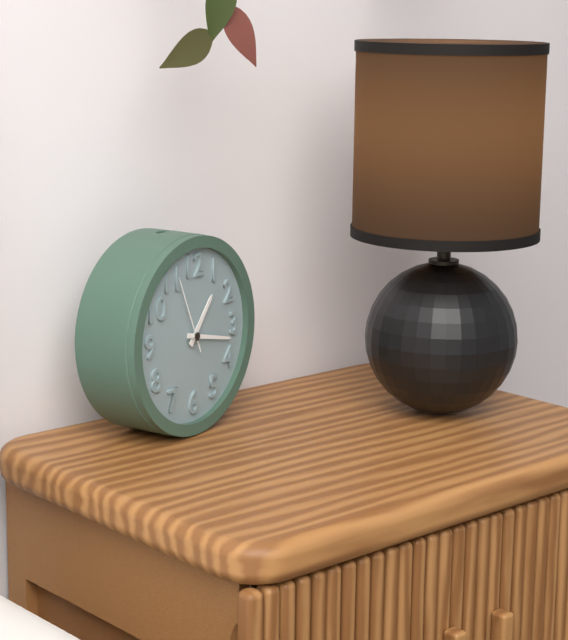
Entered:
1h17m56s
